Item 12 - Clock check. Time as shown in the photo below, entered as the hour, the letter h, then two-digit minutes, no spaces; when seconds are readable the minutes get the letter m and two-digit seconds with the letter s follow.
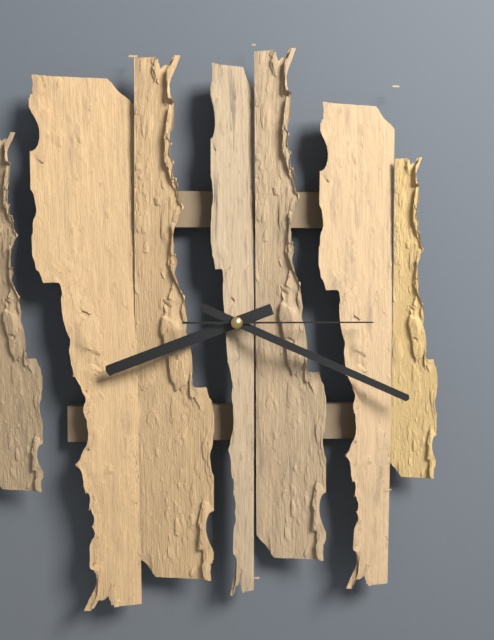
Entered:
8h19m15s
